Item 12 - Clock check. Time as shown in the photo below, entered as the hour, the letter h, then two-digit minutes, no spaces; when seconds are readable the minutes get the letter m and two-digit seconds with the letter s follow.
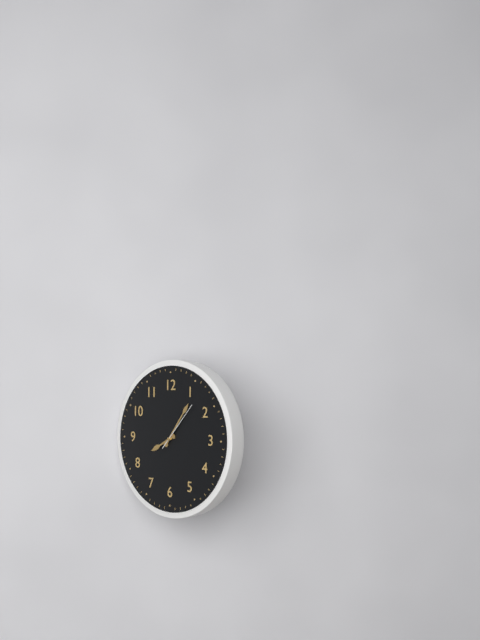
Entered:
8h06m07s
